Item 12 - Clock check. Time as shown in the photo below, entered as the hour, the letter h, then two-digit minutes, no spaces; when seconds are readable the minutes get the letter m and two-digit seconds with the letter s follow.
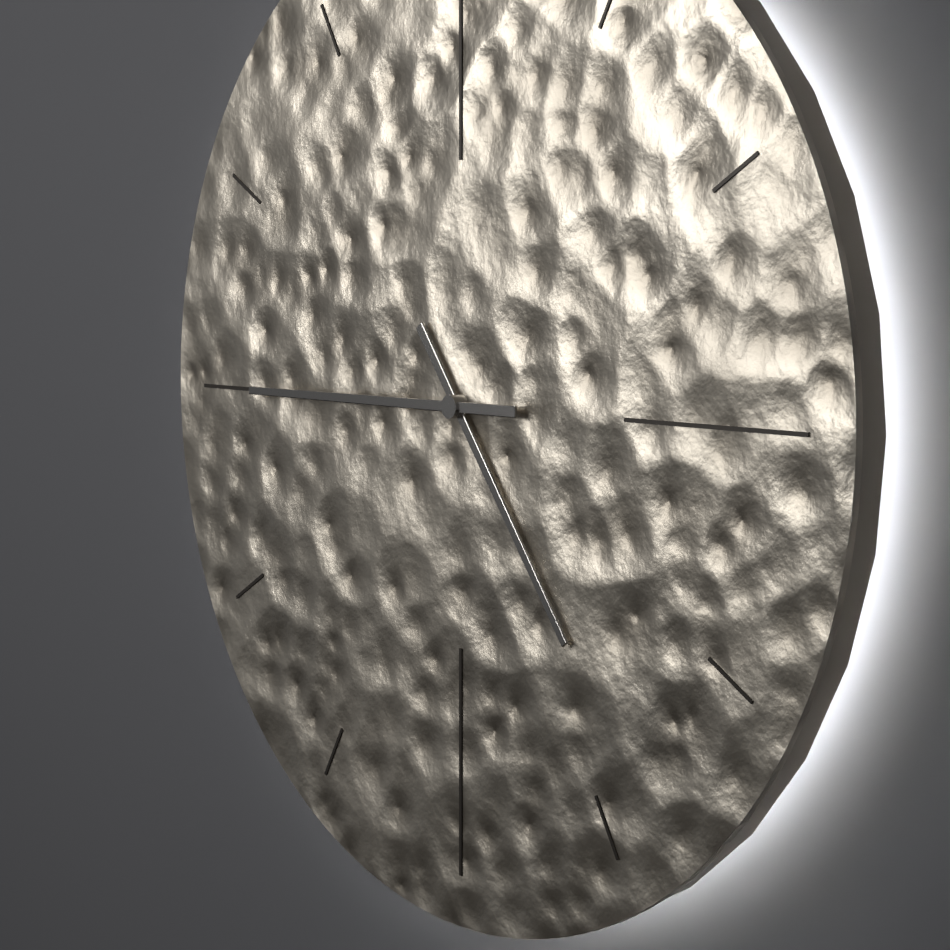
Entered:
4h45
